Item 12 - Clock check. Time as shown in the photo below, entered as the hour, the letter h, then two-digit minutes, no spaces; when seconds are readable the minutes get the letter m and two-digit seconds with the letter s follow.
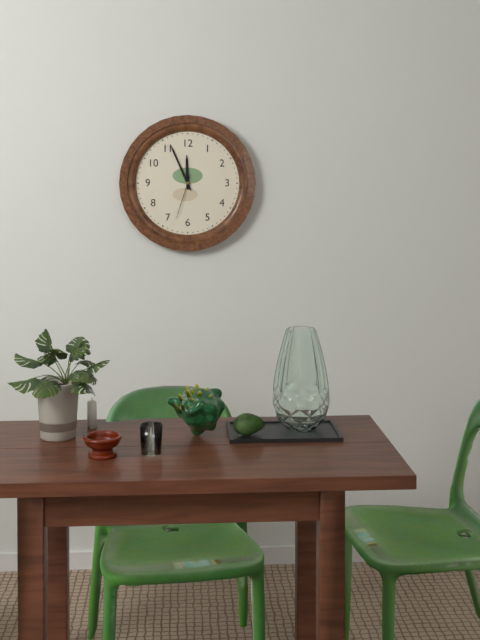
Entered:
11h56
